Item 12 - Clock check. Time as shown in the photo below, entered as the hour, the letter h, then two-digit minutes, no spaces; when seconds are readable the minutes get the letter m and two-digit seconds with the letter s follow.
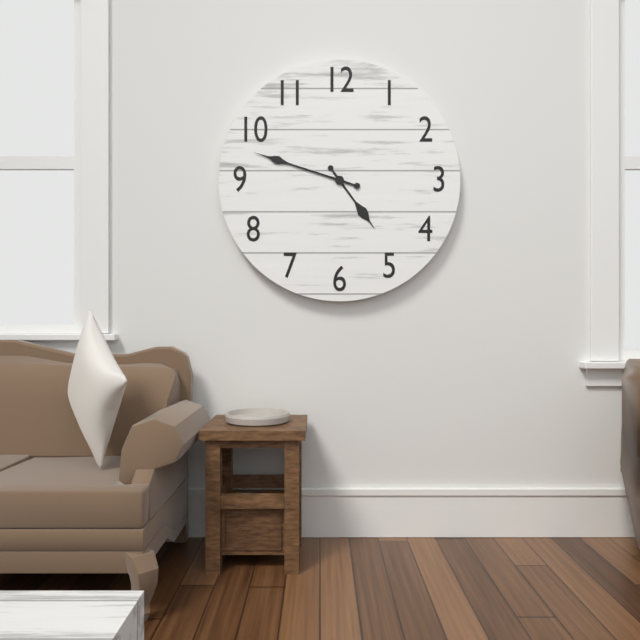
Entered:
4h48
